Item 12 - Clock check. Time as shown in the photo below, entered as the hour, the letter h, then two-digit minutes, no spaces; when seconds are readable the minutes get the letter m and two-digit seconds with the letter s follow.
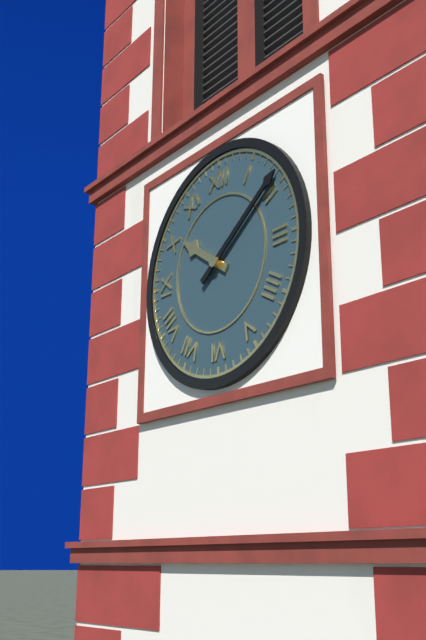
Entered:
10h09
